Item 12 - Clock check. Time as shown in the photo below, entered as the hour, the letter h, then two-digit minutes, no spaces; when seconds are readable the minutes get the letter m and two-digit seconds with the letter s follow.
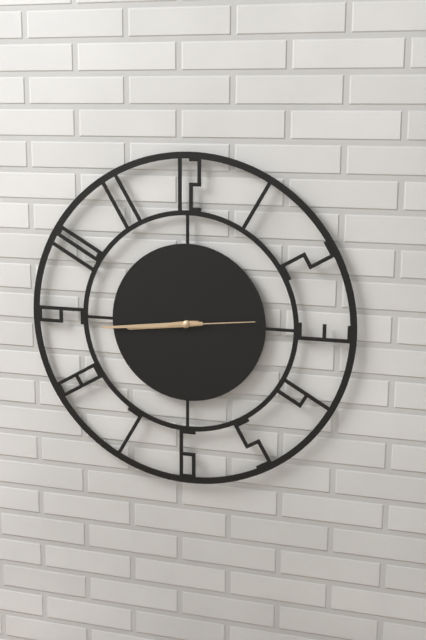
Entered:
8h44m14s
